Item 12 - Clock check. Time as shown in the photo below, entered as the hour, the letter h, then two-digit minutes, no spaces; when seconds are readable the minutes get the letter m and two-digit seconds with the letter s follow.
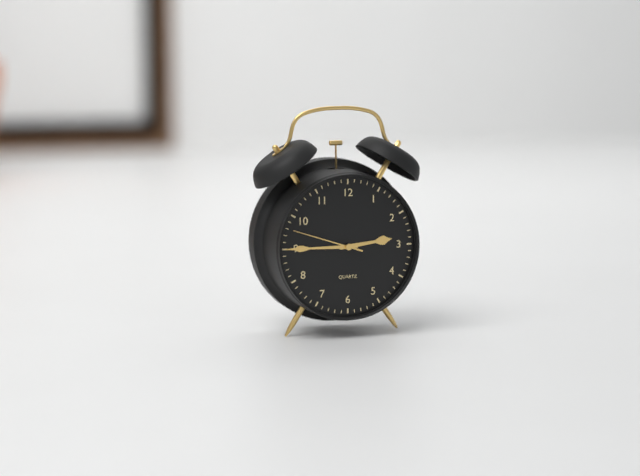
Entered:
2h45m48s
